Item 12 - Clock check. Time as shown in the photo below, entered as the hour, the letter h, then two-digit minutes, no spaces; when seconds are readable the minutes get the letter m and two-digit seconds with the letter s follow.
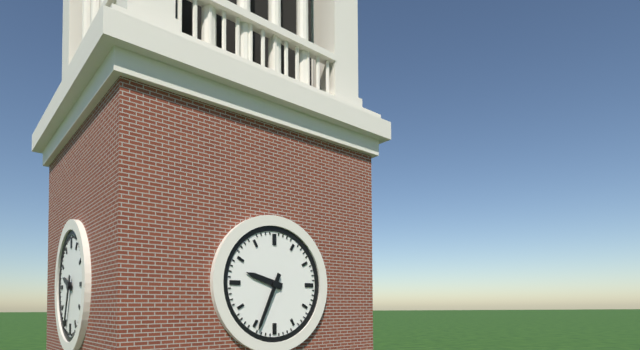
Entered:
9h34
